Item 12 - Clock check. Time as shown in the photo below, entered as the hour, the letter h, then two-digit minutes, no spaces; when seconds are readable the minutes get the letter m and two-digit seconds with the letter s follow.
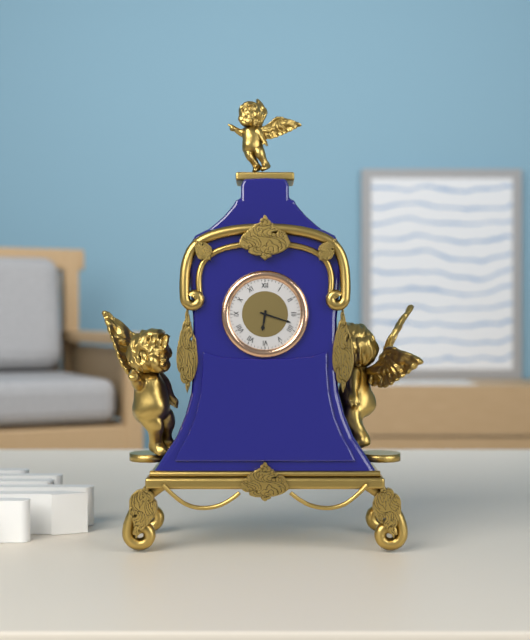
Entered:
6h18
